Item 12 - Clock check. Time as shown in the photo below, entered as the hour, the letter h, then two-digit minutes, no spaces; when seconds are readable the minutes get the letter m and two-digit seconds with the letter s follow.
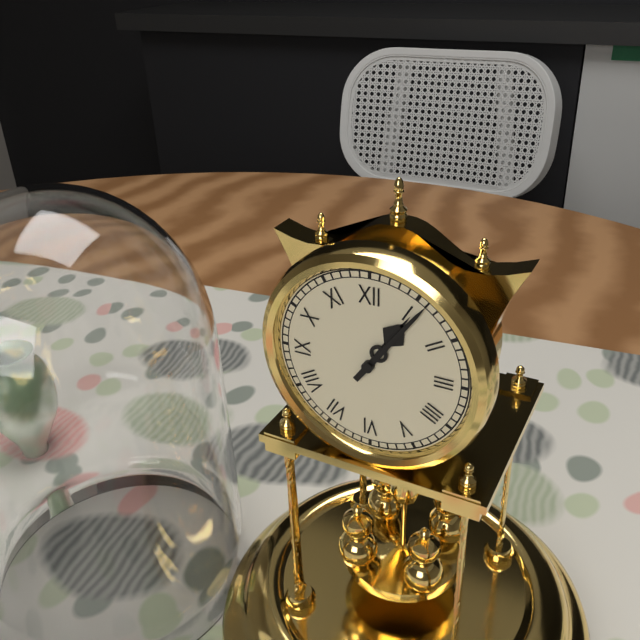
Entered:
1h06
